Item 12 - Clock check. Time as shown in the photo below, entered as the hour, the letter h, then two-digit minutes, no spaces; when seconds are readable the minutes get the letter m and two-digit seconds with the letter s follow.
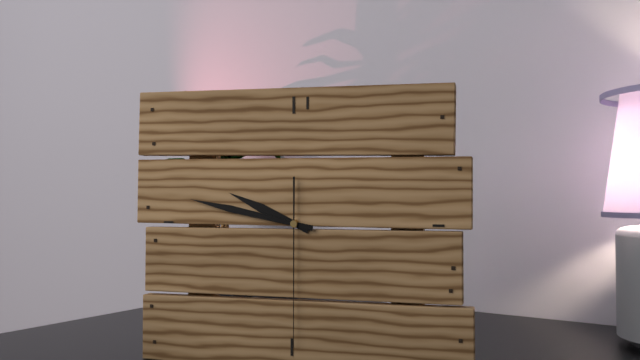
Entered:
9h47m30s
